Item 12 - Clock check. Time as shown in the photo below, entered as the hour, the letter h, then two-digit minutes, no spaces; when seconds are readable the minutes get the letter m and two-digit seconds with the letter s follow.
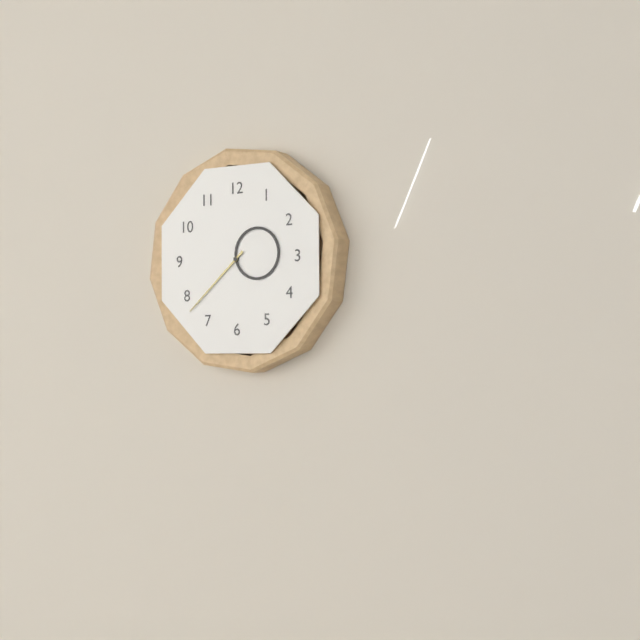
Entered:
2h38
